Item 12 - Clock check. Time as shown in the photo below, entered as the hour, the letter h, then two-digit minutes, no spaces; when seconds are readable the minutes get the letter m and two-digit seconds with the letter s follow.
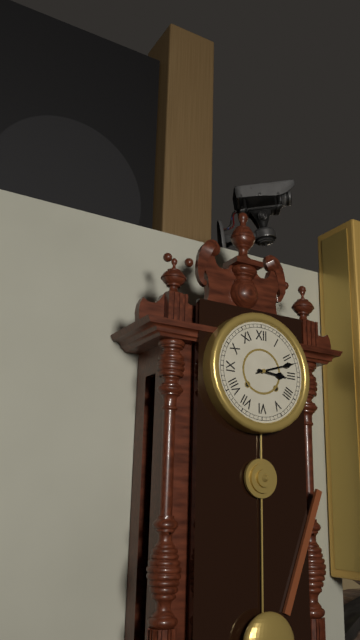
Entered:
3h12
